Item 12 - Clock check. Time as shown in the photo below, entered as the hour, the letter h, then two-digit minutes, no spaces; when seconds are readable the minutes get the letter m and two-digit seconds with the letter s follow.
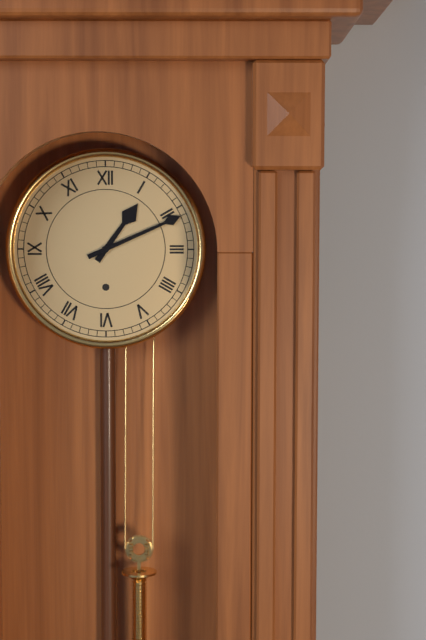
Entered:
1h11
